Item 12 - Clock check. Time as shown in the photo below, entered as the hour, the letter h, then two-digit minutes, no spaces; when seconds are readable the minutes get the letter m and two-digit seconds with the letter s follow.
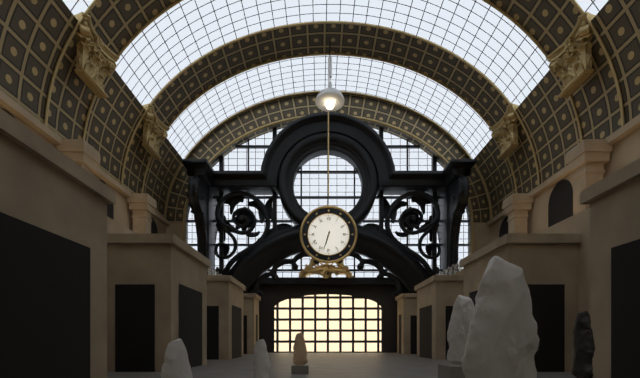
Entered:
6h33
